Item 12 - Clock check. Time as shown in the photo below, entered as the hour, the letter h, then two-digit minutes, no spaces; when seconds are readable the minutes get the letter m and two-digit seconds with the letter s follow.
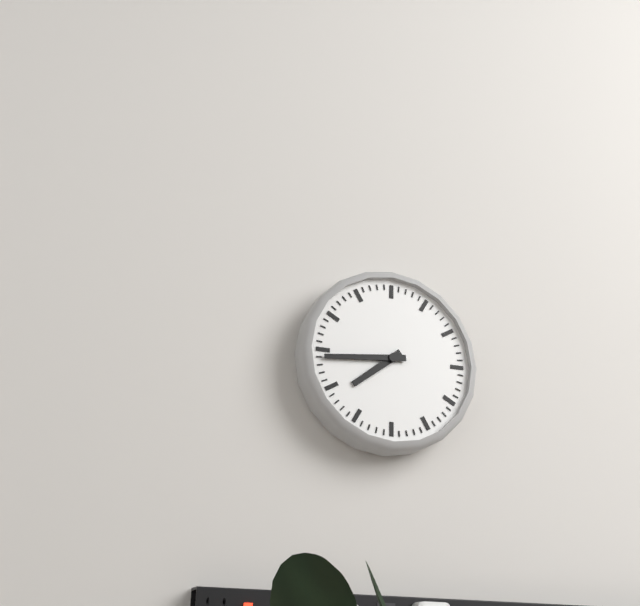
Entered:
7h44
